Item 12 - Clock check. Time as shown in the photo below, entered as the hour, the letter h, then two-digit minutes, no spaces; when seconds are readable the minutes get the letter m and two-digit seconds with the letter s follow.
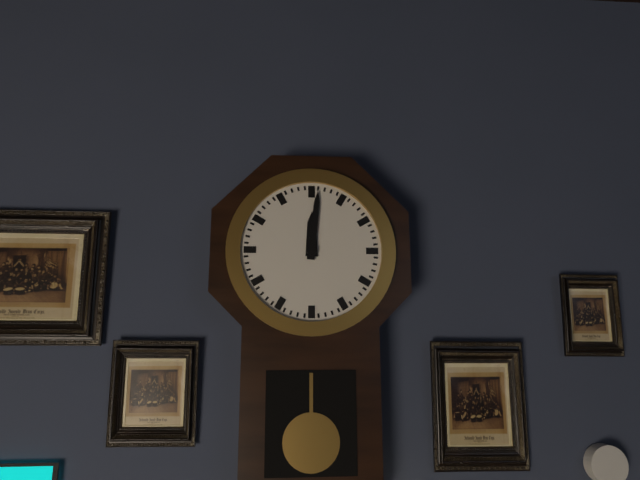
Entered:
12h01
